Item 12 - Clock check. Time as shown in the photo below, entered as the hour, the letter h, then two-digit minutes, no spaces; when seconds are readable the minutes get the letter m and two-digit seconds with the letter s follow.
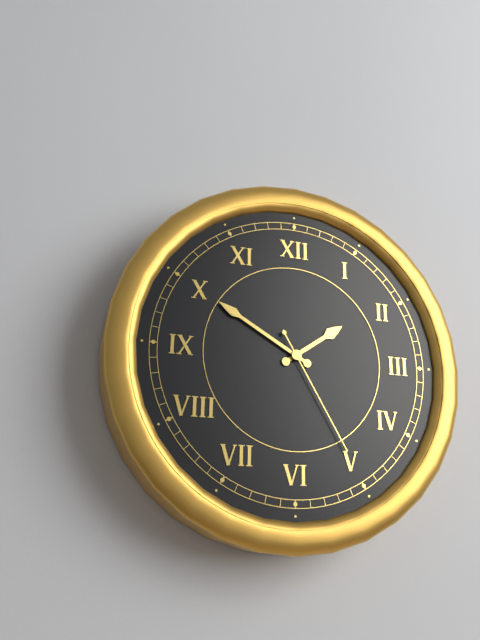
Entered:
1h50m25s
